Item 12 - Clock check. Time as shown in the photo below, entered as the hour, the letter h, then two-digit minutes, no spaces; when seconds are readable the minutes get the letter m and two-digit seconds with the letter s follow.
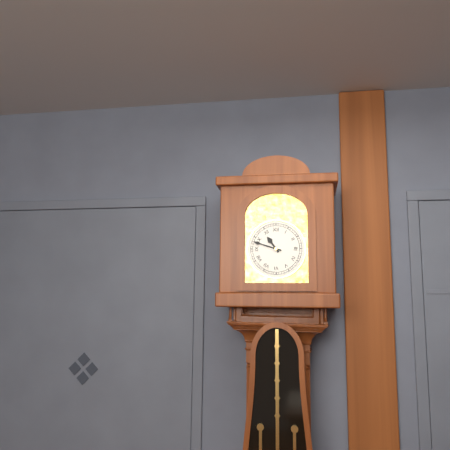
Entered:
10h48
